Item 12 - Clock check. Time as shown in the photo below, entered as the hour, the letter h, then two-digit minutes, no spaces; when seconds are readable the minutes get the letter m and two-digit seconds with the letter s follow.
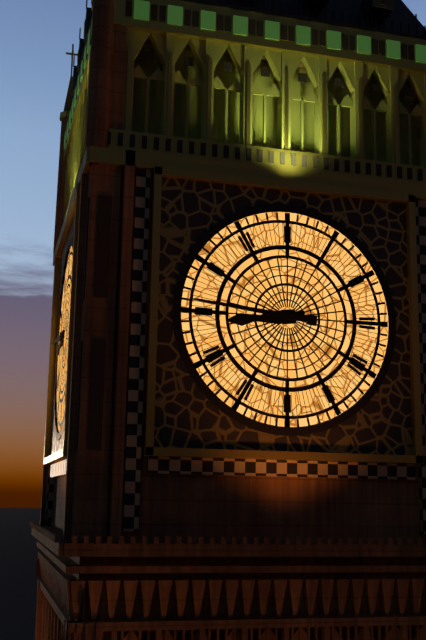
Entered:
8h46
